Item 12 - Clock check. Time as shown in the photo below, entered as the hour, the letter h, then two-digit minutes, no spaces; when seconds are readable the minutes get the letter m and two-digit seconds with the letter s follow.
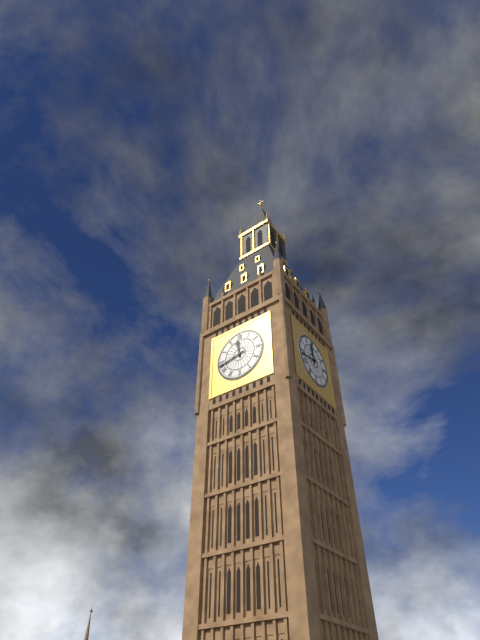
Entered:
11h43
